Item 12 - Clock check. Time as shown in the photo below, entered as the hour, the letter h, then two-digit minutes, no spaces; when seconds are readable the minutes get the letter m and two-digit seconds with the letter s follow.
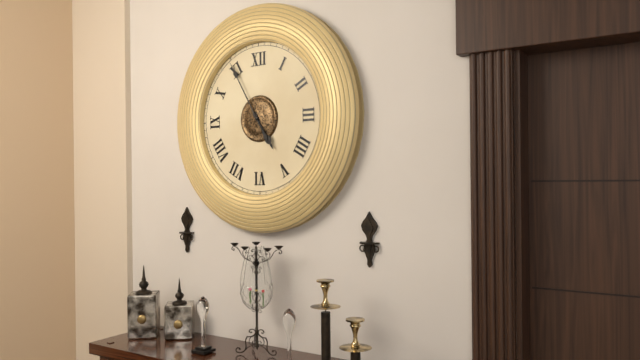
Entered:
4h55
